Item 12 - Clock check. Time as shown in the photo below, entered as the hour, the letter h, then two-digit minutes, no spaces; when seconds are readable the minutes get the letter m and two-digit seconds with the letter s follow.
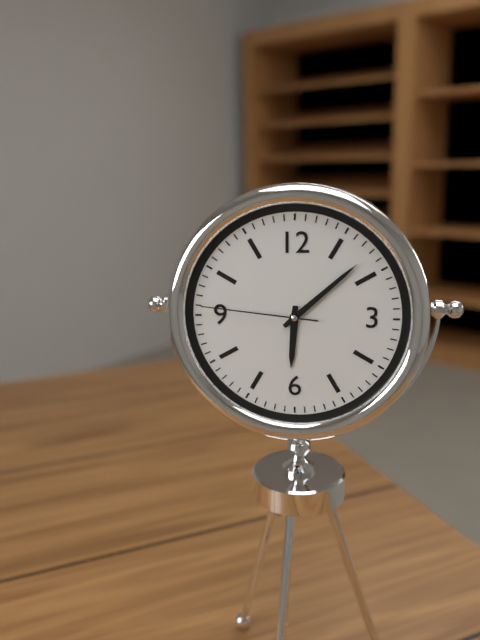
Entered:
6h08m46s
